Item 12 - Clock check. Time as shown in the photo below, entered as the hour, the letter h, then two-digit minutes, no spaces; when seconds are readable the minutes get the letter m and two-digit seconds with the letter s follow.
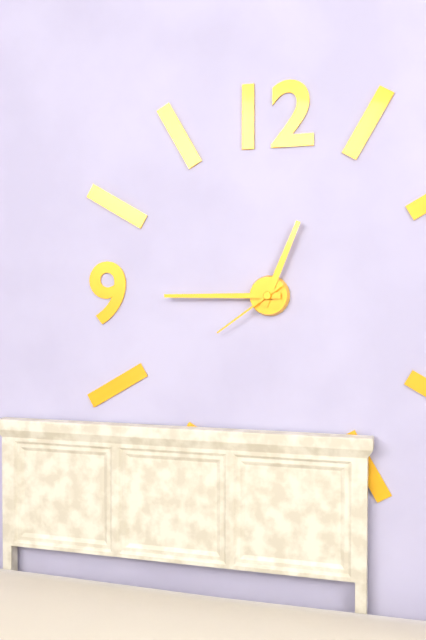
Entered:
12h45m39s
